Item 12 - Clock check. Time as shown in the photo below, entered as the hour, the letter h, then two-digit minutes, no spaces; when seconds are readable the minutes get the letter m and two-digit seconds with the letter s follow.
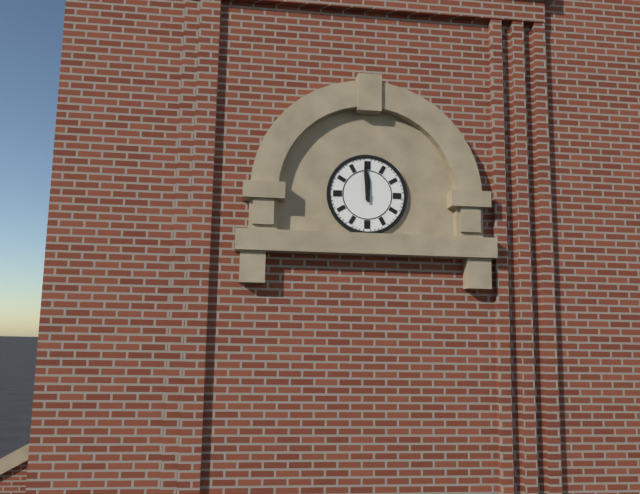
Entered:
11h59
